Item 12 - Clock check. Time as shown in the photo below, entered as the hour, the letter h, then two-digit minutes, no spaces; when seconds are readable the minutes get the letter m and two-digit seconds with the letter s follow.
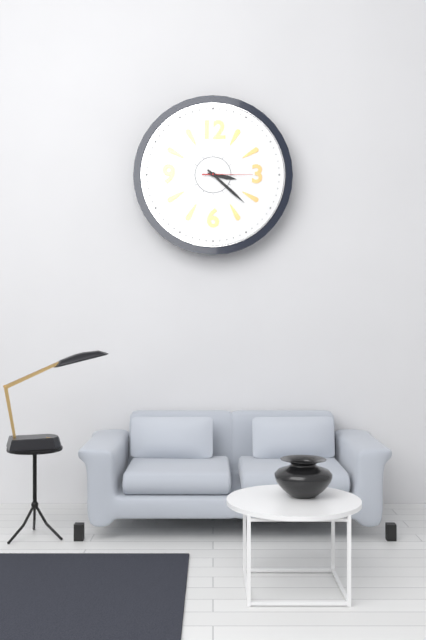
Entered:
3h22
